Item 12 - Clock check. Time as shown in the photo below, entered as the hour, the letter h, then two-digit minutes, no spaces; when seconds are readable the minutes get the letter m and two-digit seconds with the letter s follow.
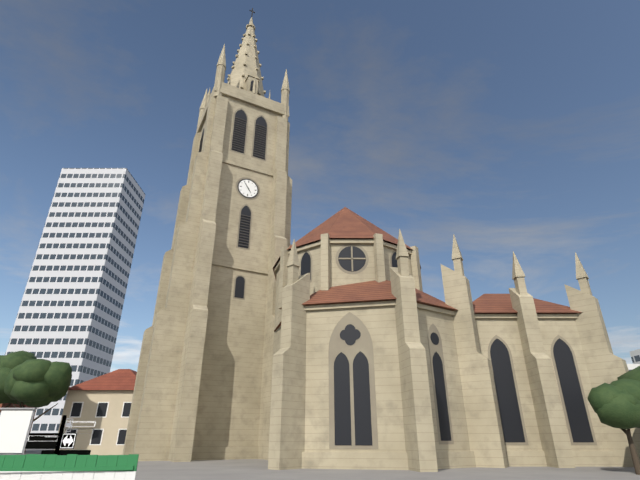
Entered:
4h54
